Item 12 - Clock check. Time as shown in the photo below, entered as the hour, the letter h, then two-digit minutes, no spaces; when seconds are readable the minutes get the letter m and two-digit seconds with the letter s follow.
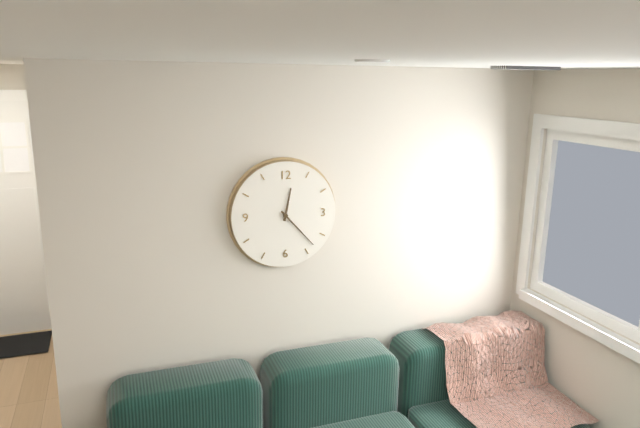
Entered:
12h23
